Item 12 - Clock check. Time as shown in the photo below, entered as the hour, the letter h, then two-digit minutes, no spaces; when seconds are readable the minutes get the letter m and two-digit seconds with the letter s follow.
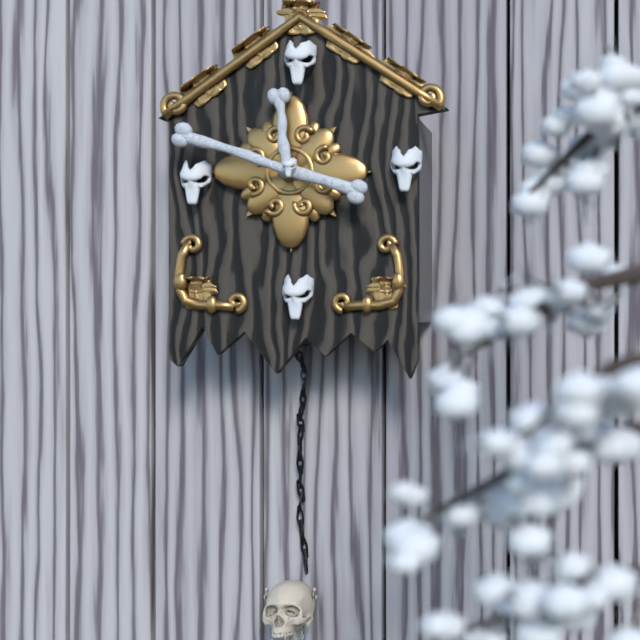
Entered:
11h48
